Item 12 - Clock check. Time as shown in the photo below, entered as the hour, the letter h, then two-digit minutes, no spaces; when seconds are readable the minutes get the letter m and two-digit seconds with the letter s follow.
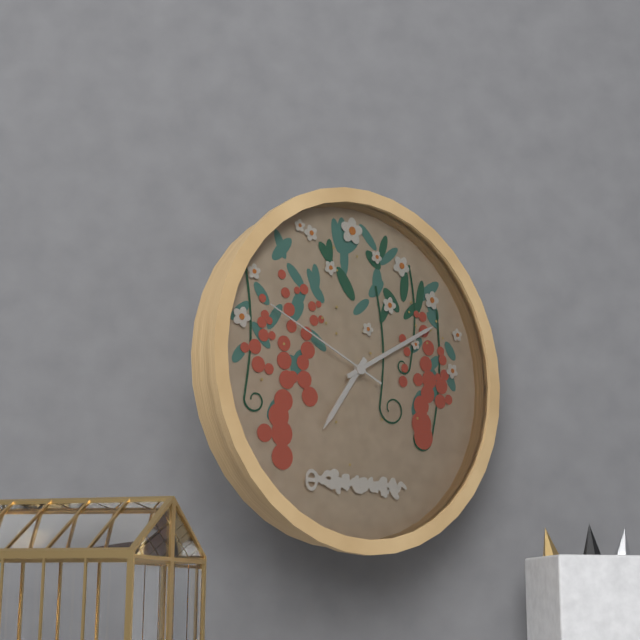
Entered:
7h10m49s
